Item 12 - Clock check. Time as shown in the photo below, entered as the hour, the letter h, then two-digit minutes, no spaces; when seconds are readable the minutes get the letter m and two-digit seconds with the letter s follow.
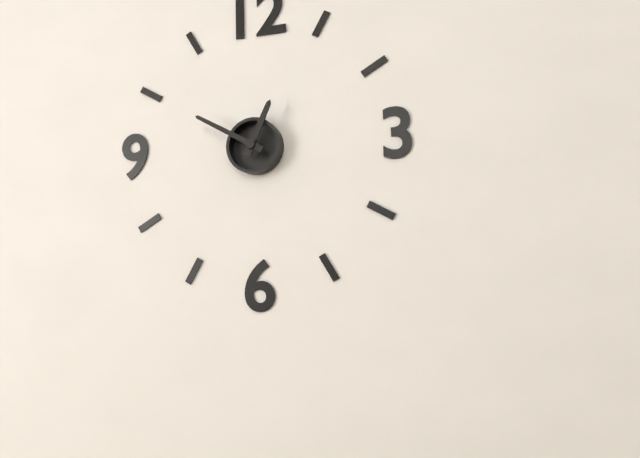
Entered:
12h50
